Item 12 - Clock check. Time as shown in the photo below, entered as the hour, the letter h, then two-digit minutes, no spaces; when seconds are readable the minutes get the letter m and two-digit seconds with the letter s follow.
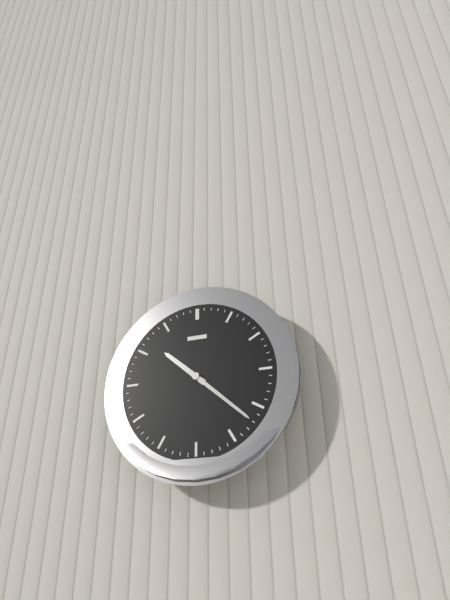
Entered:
10h22
